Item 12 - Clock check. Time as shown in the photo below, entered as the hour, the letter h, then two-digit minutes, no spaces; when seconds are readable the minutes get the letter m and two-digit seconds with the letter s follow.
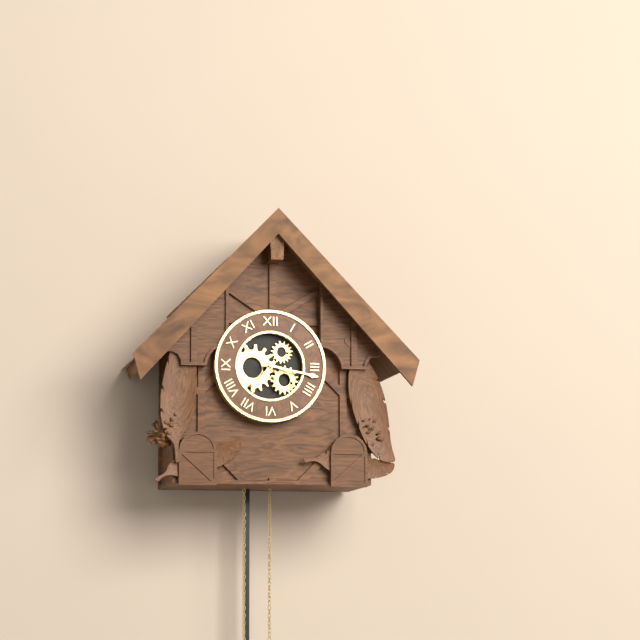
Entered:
7h17
